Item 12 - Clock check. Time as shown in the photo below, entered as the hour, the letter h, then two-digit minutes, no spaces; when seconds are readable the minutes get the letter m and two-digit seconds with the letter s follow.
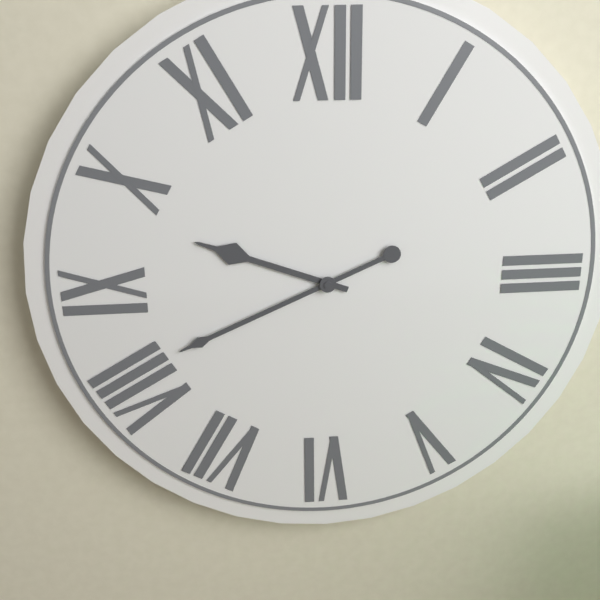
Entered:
9h41
